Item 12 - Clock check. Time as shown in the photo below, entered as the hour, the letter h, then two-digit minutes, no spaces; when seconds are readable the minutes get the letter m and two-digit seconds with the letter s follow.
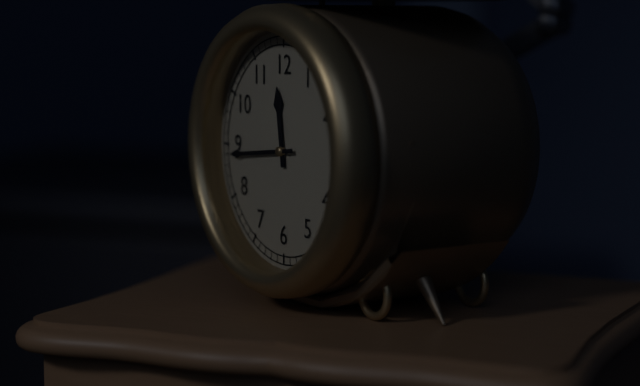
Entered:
11h44
